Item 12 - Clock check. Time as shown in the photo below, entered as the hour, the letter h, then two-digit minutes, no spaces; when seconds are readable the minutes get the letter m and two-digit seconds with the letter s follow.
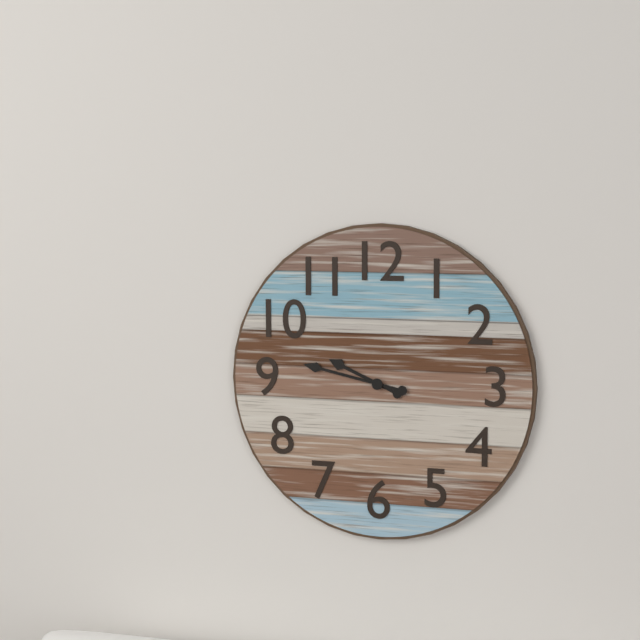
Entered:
9h47
